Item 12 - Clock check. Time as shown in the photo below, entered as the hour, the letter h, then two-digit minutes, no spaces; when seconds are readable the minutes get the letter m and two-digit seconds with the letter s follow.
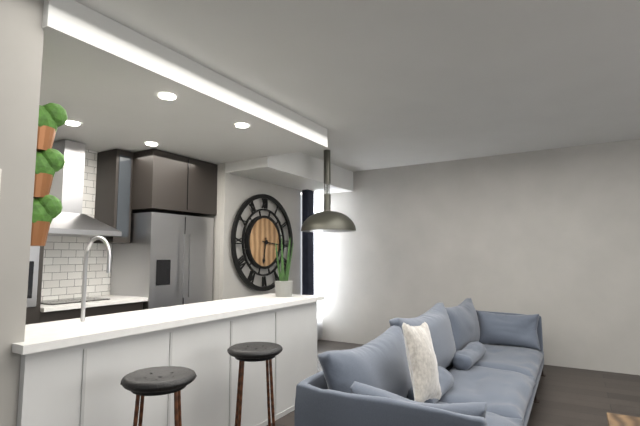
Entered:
6h16
